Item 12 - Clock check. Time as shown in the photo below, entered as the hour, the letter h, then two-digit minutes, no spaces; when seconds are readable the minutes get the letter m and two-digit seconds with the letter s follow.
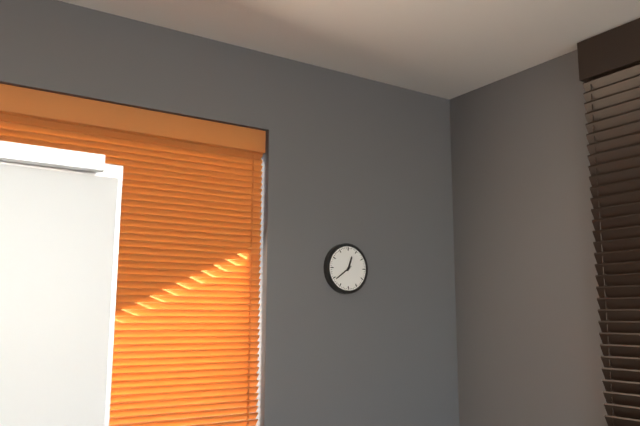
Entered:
12h39
